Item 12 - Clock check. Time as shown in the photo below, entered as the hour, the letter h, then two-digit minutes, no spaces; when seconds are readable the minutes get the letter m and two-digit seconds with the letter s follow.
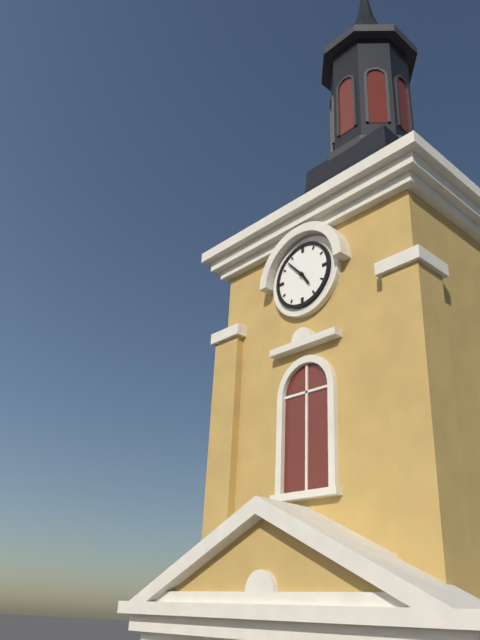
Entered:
4h53
